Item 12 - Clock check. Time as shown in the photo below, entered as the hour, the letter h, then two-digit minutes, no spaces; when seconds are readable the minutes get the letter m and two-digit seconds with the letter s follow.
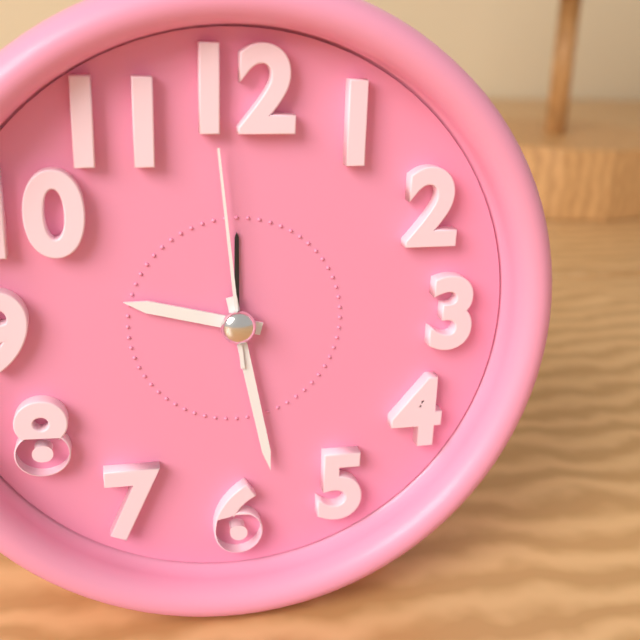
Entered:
9h28m59s
